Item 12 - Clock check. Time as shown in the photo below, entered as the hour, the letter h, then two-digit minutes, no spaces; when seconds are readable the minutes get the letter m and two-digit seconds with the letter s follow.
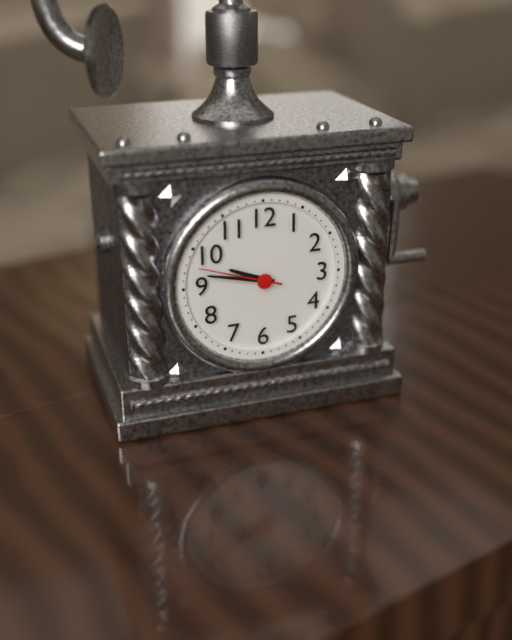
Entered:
9h47m48s
